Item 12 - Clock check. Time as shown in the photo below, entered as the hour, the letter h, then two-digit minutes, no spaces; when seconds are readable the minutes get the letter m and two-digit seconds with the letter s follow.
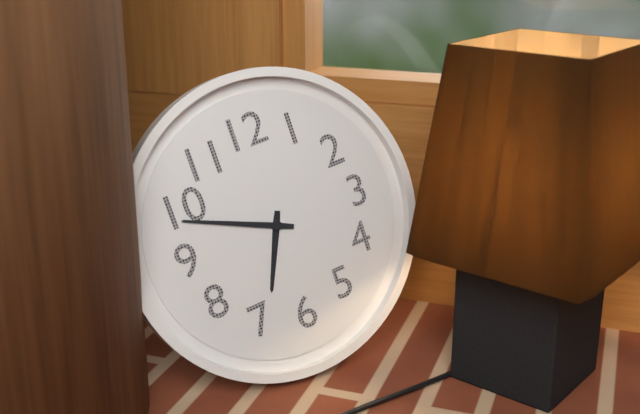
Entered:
6h49
